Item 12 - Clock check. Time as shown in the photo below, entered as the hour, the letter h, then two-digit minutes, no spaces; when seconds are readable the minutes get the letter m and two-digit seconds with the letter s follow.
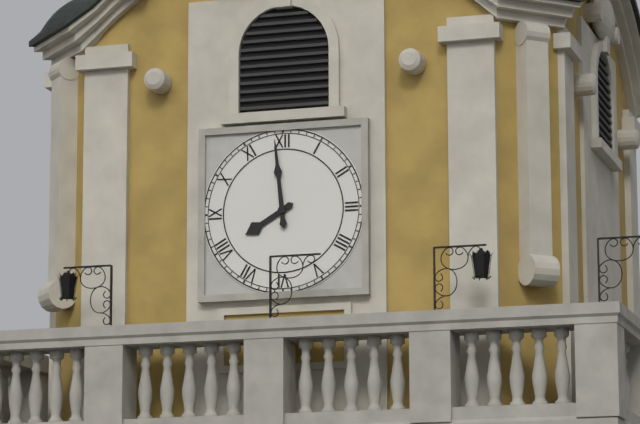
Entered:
7h59
